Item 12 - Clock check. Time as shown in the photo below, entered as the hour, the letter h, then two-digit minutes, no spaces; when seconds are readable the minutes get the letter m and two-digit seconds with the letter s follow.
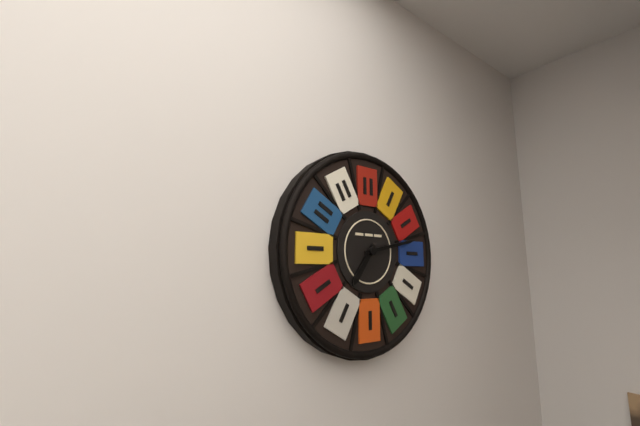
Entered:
7h13
